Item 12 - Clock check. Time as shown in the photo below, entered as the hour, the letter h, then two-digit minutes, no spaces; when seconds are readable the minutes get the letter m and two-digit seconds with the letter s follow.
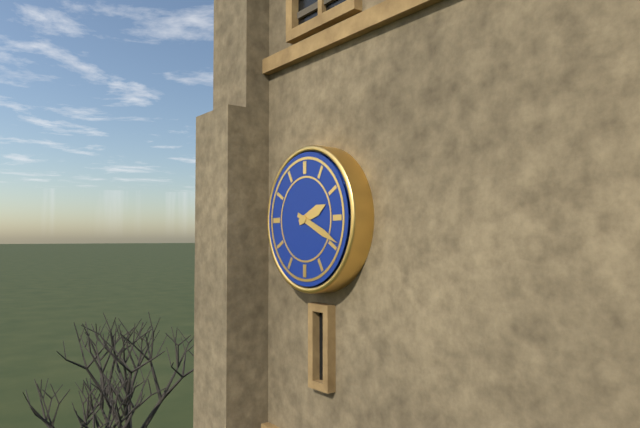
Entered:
2h19
